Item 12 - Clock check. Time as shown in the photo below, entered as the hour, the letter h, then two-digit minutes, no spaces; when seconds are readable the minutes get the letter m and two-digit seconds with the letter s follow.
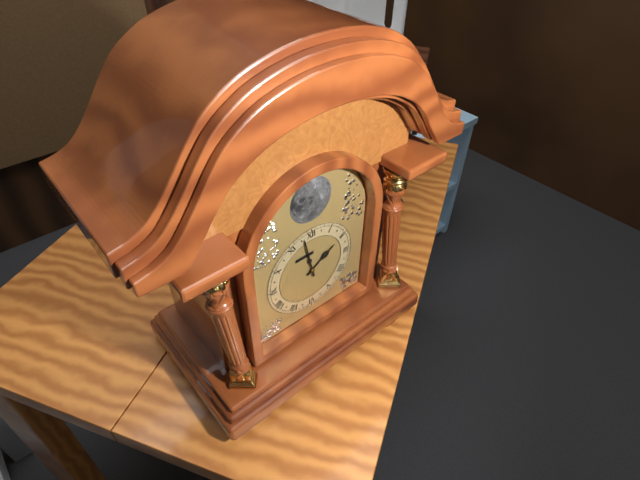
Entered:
1h58
